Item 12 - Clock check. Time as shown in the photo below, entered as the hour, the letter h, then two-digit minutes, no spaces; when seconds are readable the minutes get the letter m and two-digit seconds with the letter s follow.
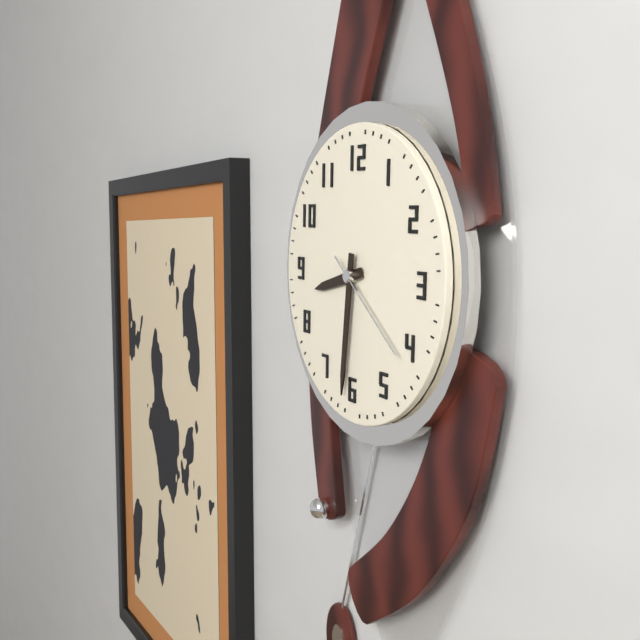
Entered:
8h31m21s
